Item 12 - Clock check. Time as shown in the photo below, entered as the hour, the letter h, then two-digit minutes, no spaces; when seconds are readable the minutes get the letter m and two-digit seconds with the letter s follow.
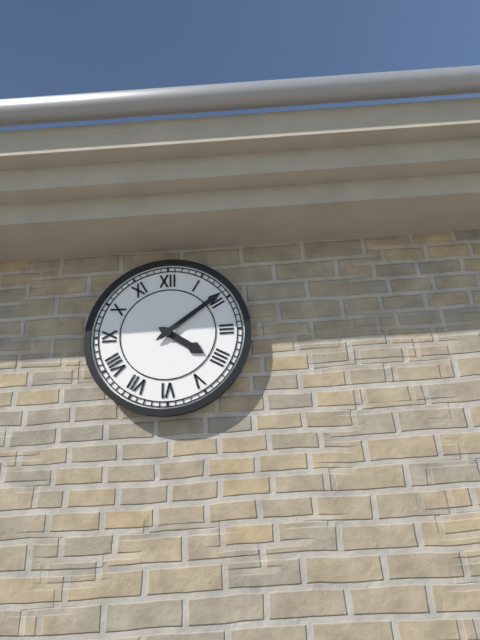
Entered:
4h09
